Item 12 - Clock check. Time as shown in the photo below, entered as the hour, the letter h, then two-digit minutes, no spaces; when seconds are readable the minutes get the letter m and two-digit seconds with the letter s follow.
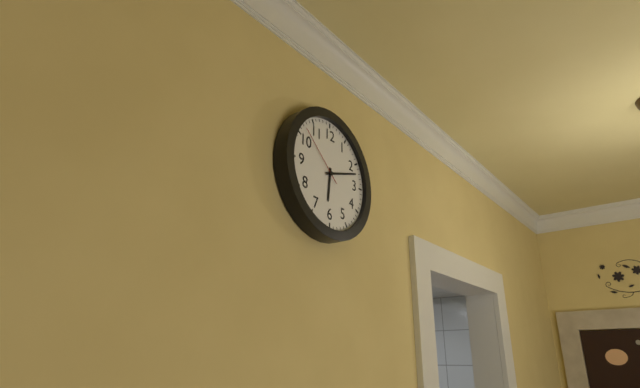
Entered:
6h12m52s
